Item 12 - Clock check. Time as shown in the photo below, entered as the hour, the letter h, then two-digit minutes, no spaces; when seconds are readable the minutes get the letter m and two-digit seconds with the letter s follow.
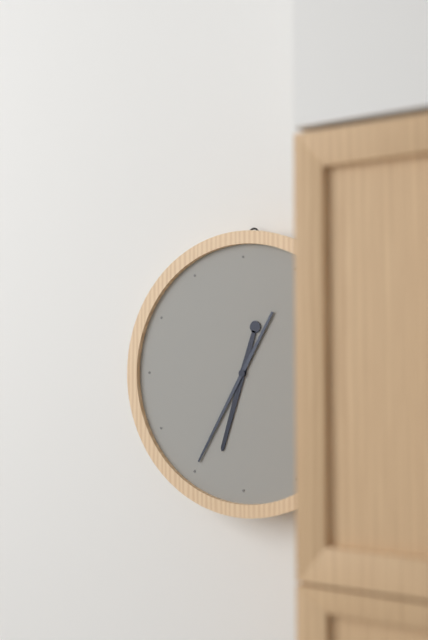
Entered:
6h35
